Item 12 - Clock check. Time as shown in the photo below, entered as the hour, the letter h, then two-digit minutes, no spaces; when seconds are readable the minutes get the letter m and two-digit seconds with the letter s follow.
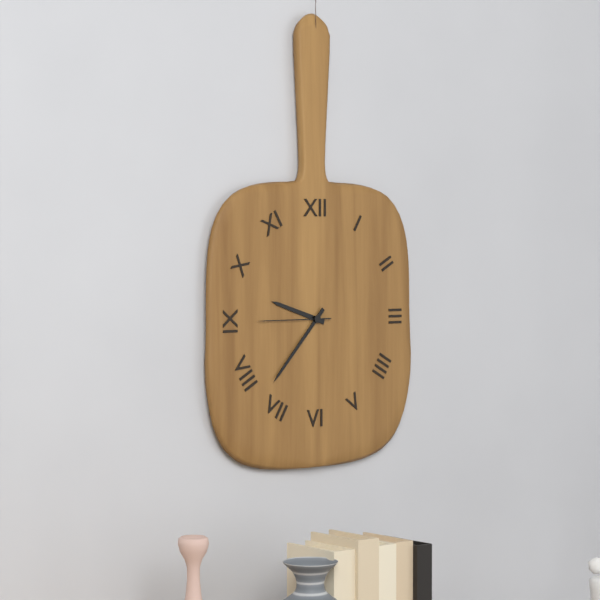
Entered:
9h37m45s
